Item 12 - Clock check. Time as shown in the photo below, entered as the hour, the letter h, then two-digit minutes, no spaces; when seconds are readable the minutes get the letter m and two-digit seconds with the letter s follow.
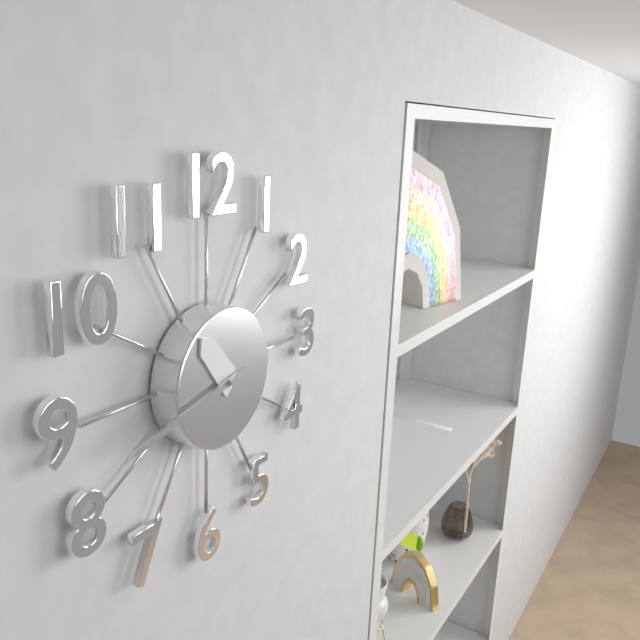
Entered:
10h43
